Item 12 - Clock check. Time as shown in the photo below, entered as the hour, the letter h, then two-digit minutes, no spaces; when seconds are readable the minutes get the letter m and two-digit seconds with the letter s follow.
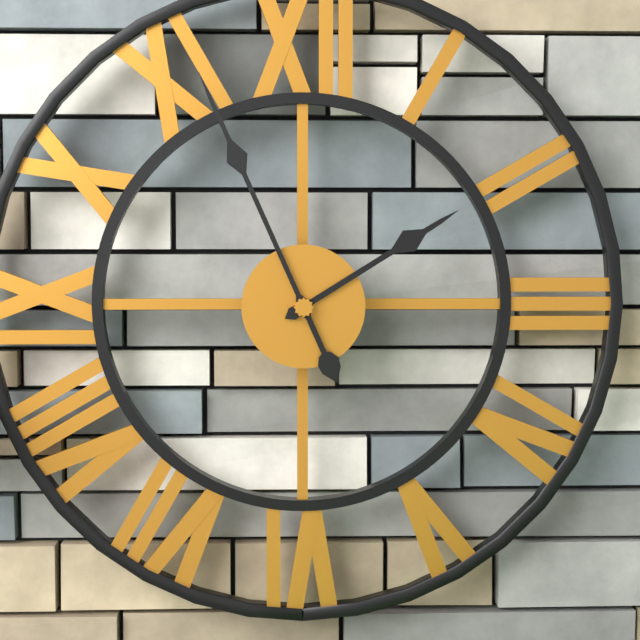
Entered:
1h56
